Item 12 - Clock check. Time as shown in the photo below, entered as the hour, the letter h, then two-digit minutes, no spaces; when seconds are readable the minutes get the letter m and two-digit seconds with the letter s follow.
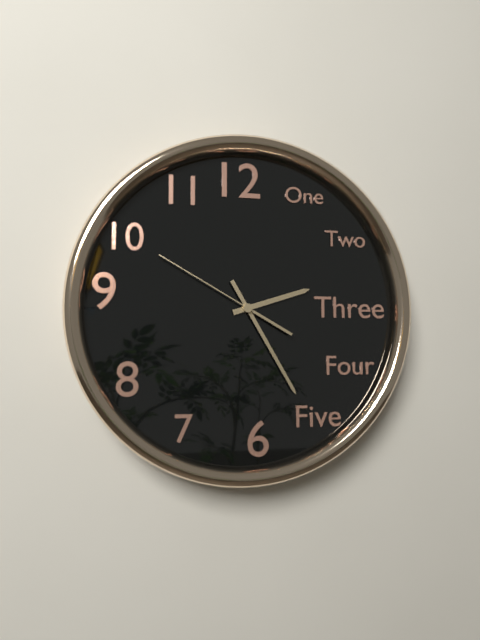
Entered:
2h25m50s
